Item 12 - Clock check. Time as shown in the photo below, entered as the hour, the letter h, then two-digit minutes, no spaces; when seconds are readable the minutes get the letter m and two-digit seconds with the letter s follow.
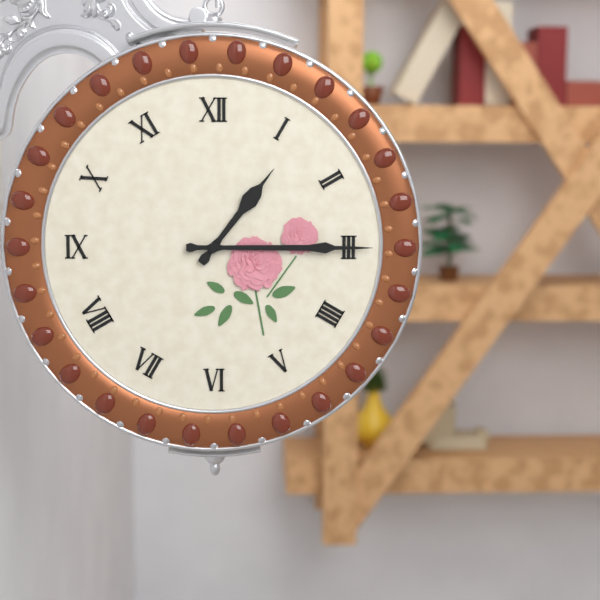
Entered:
1h15
